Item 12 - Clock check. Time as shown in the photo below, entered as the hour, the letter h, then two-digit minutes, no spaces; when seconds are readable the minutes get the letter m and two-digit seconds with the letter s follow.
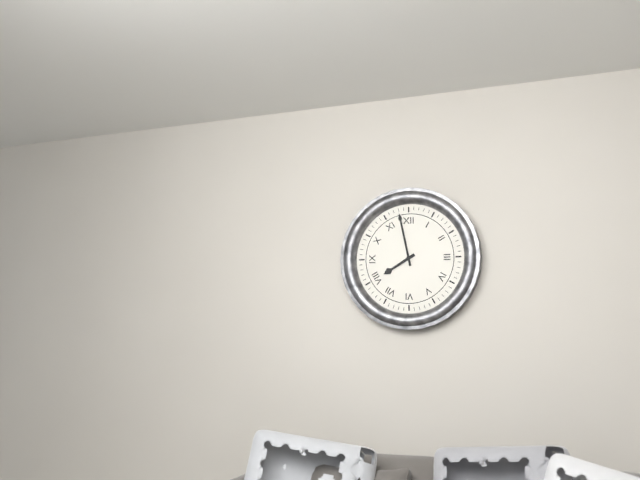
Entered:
7h58
